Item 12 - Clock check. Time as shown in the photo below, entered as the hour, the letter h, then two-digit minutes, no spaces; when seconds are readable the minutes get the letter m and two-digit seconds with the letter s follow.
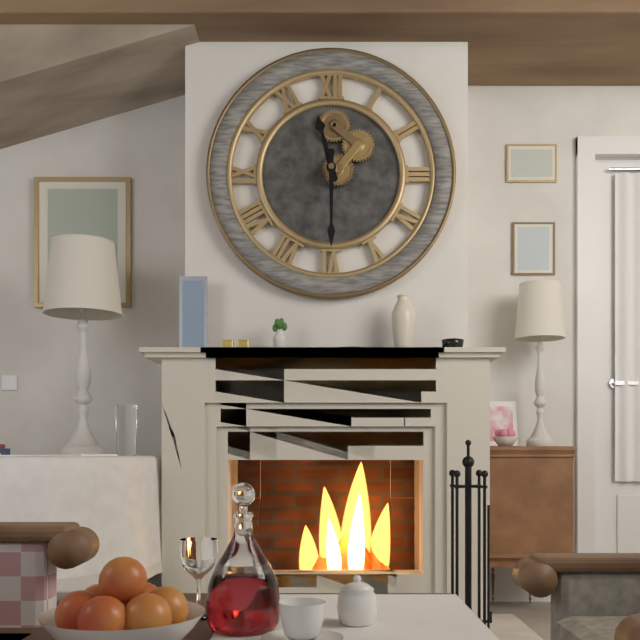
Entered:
11h30
